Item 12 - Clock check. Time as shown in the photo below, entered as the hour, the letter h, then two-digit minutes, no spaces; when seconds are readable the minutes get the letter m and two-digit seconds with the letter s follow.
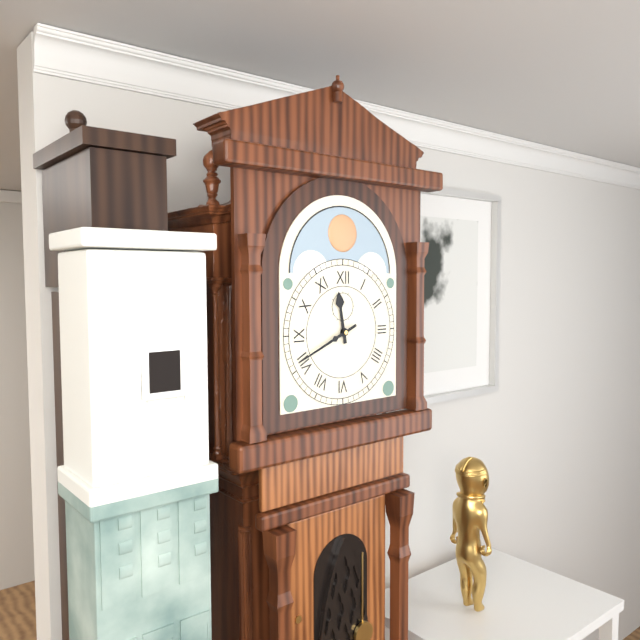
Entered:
11h41
